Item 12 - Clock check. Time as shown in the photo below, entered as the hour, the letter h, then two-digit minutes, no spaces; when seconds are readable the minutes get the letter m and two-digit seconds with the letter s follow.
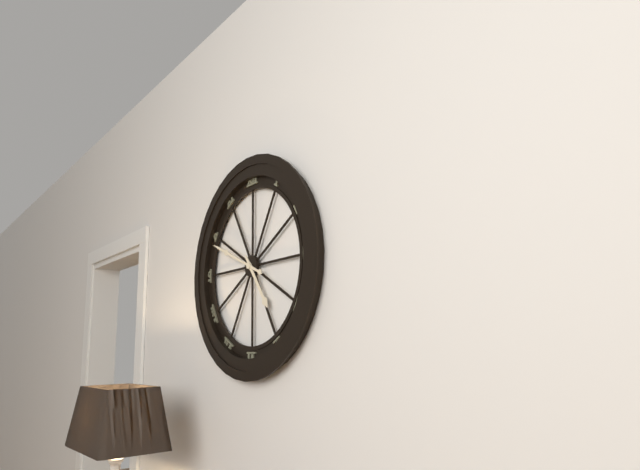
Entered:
4h49
